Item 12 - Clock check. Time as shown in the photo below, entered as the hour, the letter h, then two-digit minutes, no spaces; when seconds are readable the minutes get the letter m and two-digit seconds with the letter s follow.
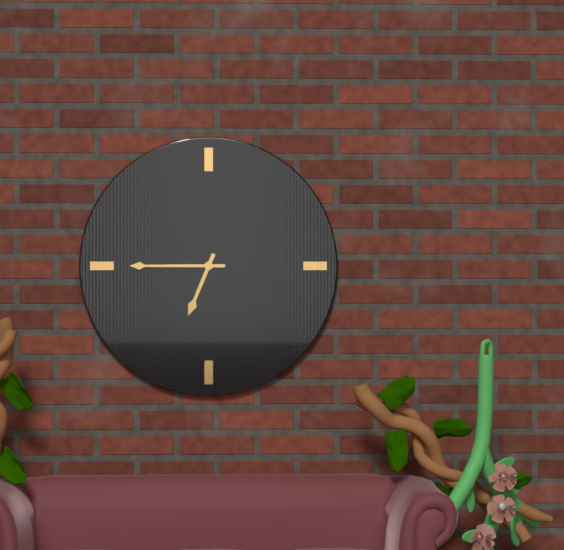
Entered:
6h45
